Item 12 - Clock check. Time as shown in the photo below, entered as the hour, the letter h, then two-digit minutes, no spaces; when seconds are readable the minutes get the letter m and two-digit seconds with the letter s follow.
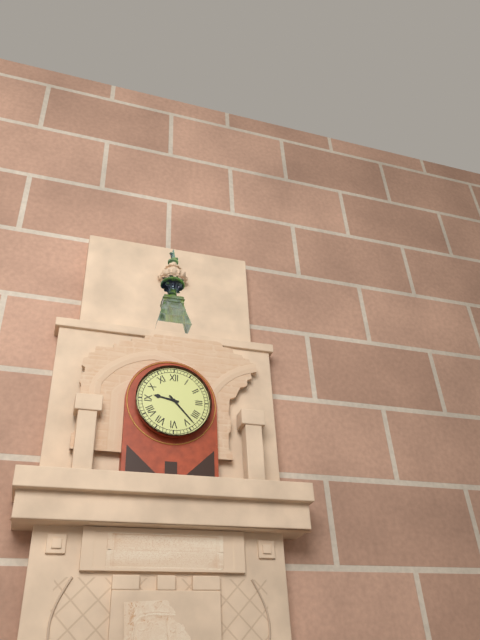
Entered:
9h23
